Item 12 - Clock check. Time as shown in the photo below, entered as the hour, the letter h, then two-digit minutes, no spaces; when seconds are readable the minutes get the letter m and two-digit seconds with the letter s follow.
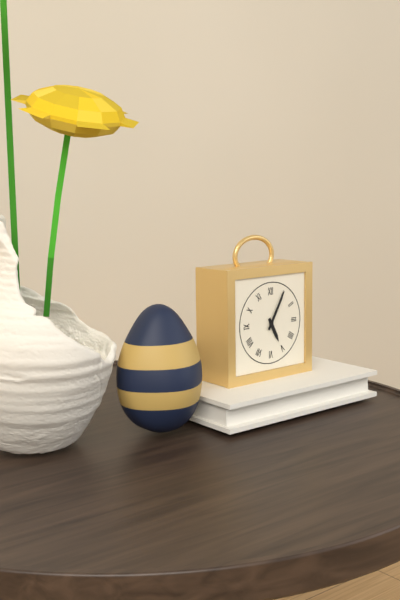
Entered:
5h05
